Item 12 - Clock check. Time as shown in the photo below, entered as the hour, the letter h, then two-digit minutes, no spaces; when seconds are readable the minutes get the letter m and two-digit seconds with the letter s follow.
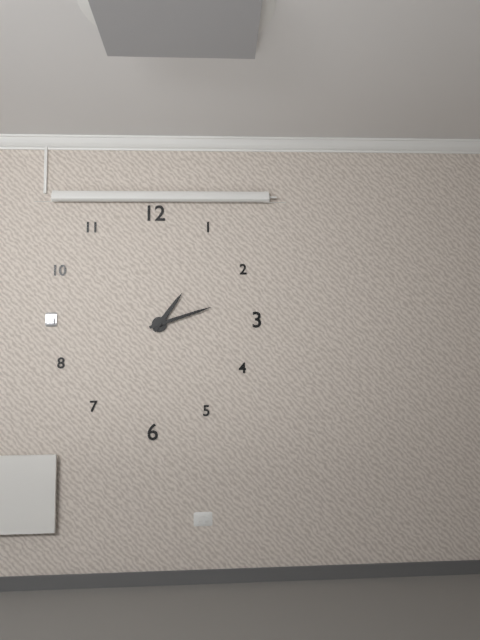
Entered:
1h12
